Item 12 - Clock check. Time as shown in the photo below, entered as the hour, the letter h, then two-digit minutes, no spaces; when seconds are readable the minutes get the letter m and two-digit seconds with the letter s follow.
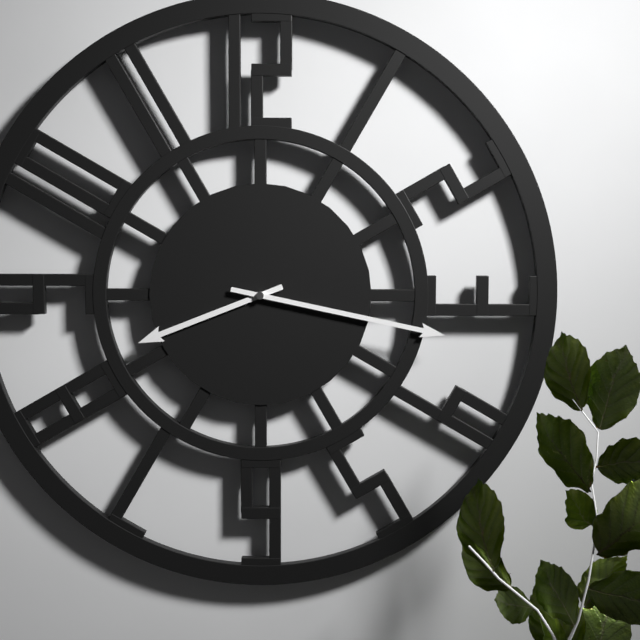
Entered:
8h17
